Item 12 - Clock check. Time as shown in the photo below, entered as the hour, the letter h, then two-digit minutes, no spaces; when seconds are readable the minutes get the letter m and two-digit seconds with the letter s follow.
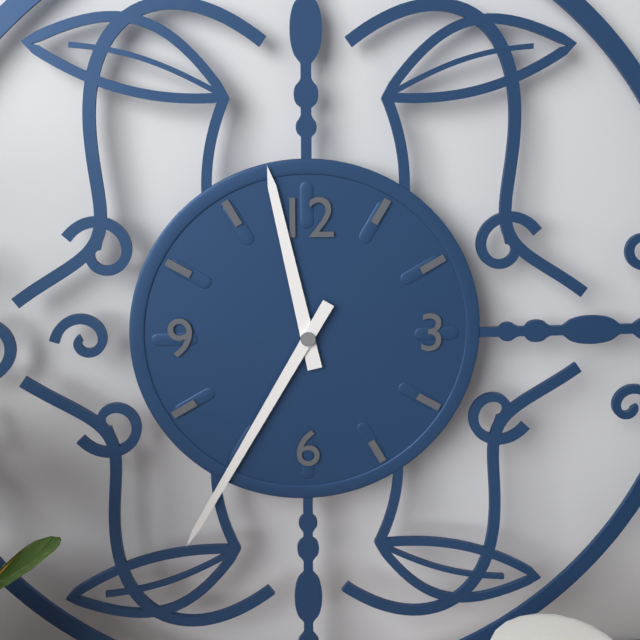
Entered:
11h35
